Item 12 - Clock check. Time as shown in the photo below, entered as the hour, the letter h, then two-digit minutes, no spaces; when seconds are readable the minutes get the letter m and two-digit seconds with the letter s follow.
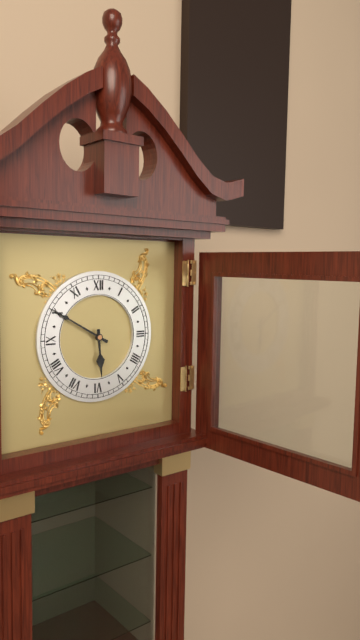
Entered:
5h50
